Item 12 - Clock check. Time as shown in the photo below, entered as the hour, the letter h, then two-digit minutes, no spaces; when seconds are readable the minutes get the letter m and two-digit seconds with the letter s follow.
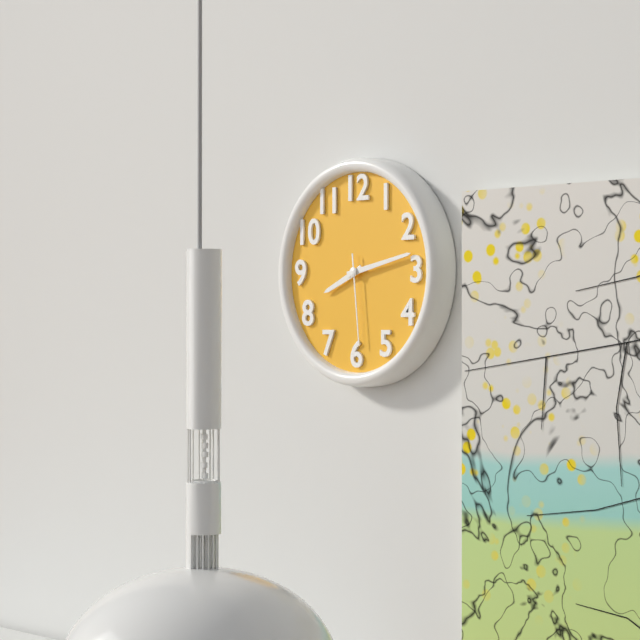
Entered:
8h13m29s
